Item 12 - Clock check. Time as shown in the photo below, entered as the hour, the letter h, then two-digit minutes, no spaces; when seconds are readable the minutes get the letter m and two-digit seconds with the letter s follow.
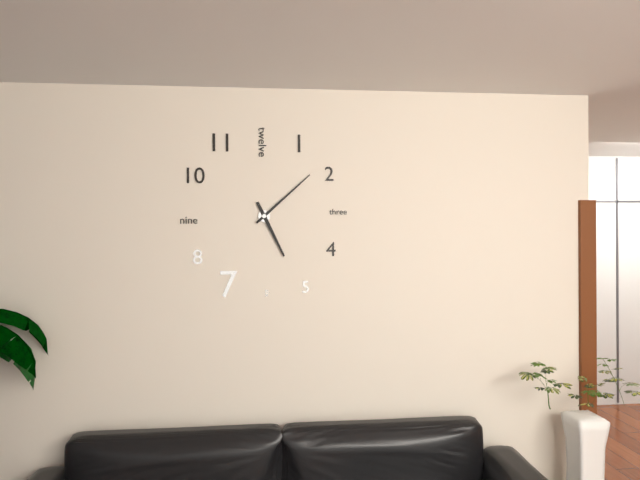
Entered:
5h08
